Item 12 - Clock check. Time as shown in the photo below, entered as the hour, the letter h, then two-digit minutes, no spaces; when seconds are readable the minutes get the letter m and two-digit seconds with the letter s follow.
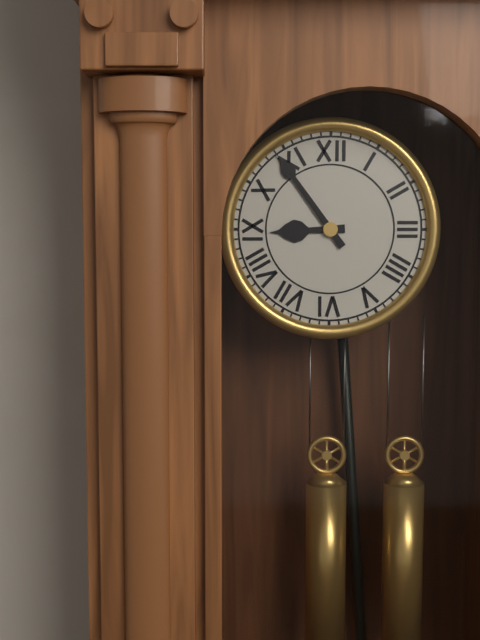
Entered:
8h54
